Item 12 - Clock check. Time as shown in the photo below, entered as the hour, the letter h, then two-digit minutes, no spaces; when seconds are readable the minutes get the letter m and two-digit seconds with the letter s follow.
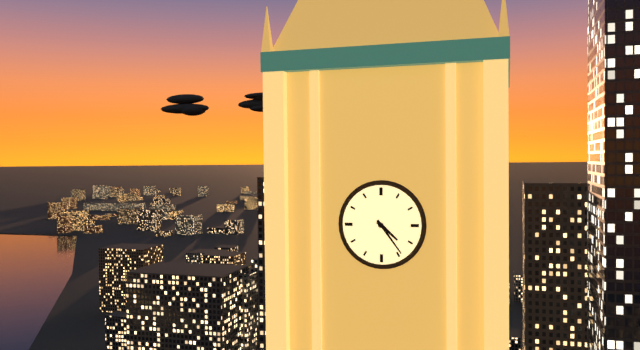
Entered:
4h24
